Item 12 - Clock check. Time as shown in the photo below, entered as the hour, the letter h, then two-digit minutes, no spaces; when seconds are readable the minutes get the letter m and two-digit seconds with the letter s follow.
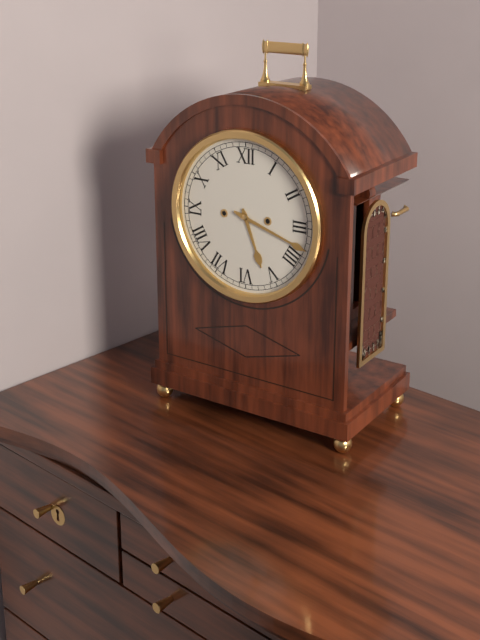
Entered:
5h18
